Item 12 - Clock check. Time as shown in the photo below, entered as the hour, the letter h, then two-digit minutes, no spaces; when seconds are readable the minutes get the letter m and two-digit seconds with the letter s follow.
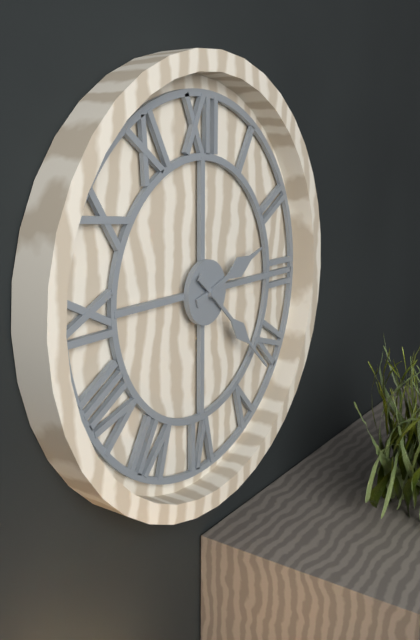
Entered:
2h22
